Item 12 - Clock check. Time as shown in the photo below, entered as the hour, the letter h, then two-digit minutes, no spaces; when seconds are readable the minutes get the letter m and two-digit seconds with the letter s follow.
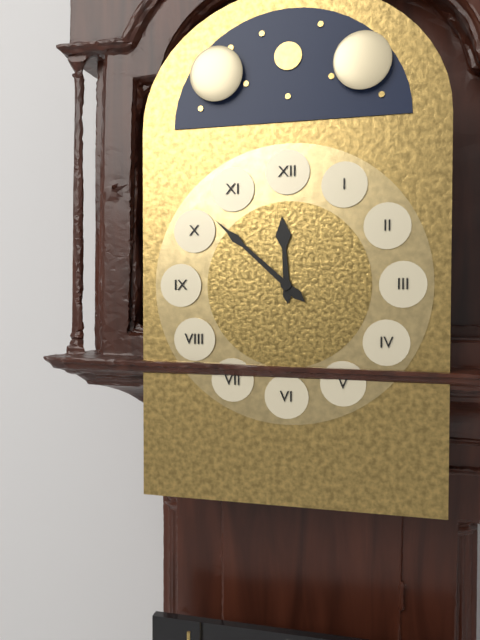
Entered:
11h52
